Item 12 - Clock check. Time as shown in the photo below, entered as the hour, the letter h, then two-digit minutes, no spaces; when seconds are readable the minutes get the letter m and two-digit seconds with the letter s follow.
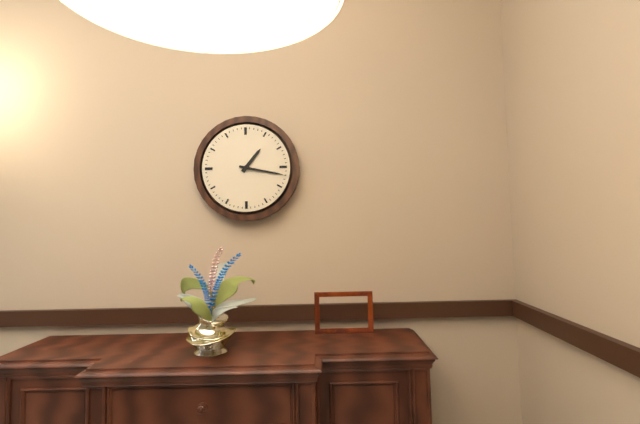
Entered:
1h17
